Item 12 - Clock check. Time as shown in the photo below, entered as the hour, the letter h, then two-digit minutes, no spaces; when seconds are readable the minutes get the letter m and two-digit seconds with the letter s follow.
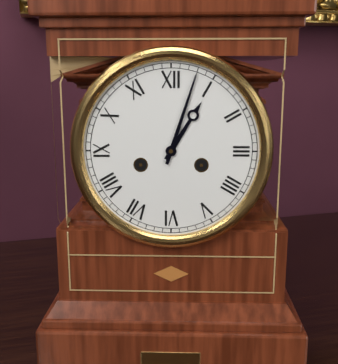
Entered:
1h03
